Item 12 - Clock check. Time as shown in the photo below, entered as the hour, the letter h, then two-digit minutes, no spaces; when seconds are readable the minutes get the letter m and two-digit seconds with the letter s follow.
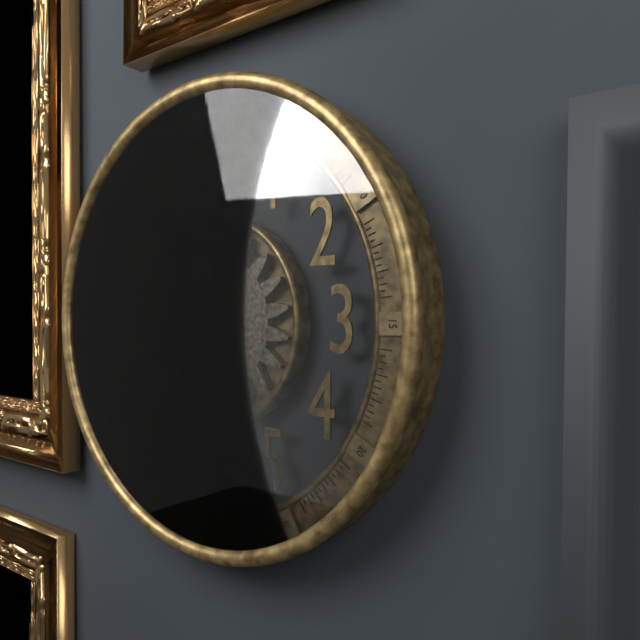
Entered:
12h25
